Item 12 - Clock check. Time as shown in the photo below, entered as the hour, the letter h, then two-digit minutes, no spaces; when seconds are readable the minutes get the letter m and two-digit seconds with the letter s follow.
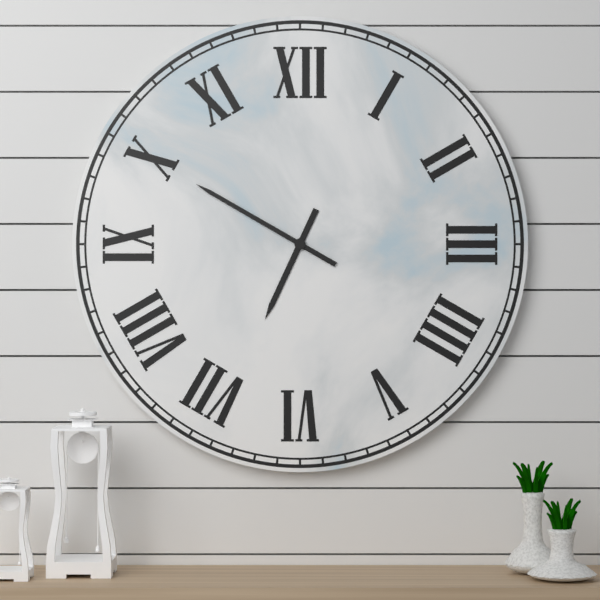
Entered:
6h50
